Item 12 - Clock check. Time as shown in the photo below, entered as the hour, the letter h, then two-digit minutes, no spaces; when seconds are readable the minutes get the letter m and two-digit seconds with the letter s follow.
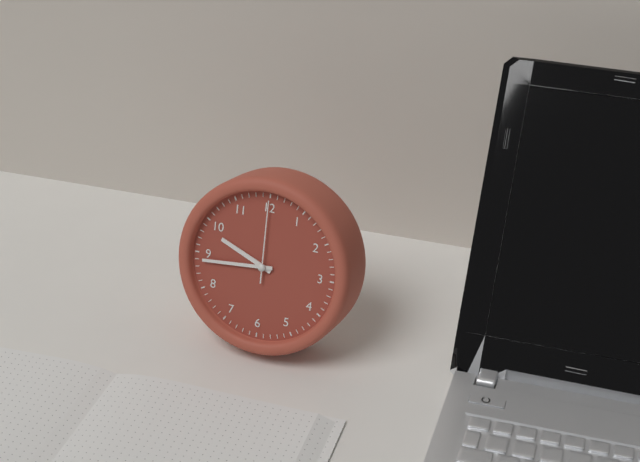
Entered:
9h44m00s
